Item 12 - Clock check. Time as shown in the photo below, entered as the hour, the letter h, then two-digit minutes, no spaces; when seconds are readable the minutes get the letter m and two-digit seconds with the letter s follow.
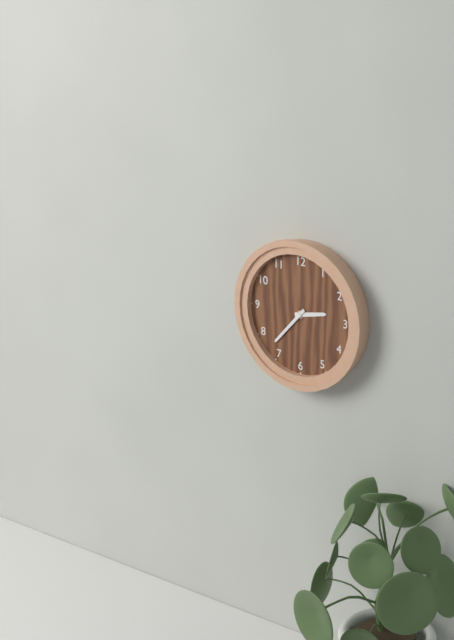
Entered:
2h37
